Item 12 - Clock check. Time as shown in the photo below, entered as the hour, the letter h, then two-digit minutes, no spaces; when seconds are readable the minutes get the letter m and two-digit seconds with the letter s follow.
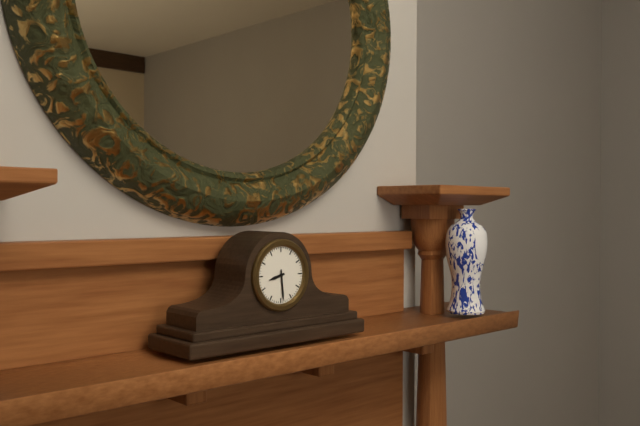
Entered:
8h29
